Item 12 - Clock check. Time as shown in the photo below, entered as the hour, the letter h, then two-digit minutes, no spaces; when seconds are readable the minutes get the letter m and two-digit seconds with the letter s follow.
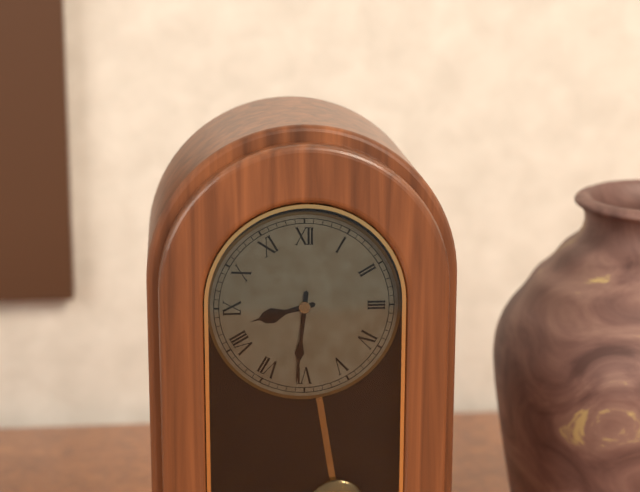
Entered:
8h31
